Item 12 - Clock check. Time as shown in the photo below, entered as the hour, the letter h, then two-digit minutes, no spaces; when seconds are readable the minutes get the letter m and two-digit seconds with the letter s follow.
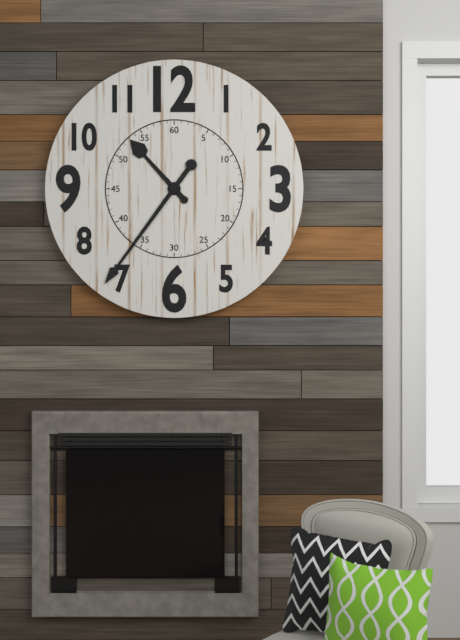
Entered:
10h36
